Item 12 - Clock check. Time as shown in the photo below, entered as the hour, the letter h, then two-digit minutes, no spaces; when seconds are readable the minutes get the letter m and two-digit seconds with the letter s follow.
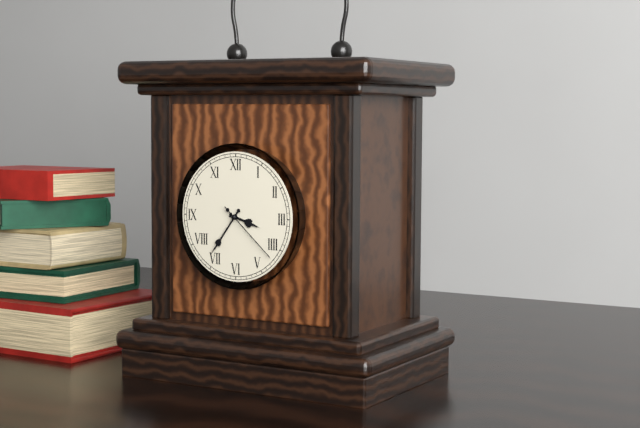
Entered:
3h36m22s
